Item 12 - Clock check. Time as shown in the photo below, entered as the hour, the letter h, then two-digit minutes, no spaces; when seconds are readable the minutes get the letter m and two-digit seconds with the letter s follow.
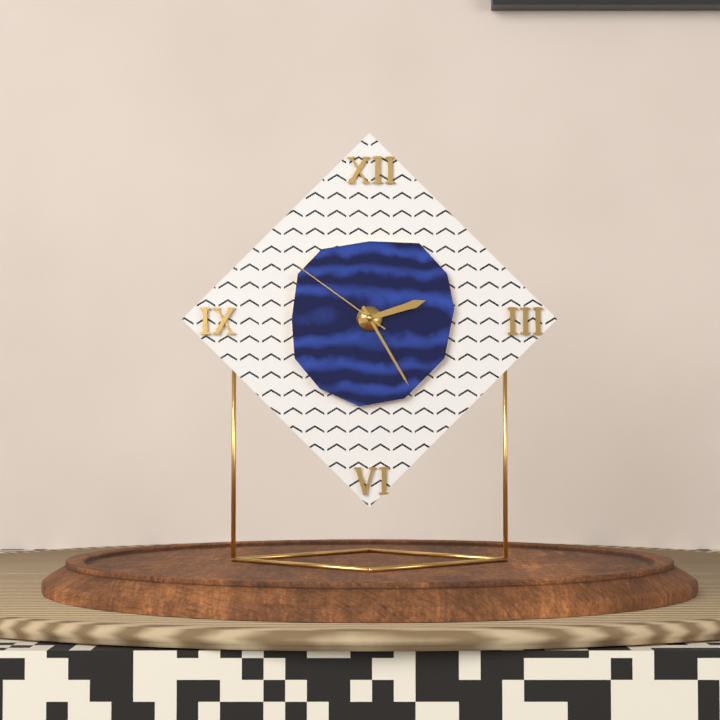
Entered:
2h25m51s
